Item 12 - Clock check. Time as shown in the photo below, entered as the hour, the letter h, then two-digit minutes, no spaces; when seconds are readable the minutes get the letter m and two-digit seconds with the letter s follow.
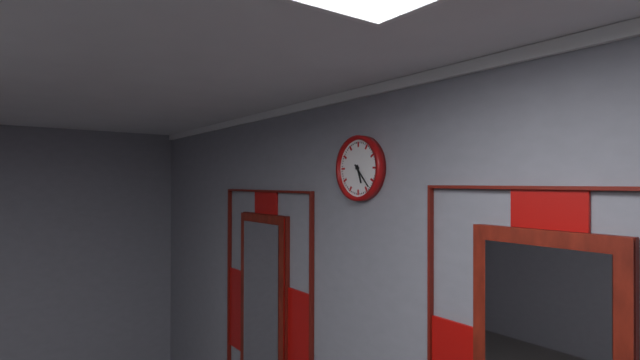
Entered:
5h23
